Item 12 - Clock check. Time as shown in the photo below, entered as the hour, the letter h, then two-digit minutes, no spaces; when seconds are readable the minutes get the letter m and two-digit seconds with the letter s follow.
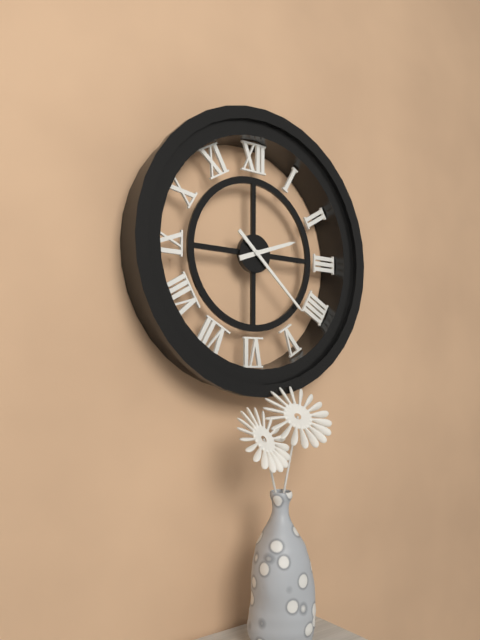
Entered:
2h22
